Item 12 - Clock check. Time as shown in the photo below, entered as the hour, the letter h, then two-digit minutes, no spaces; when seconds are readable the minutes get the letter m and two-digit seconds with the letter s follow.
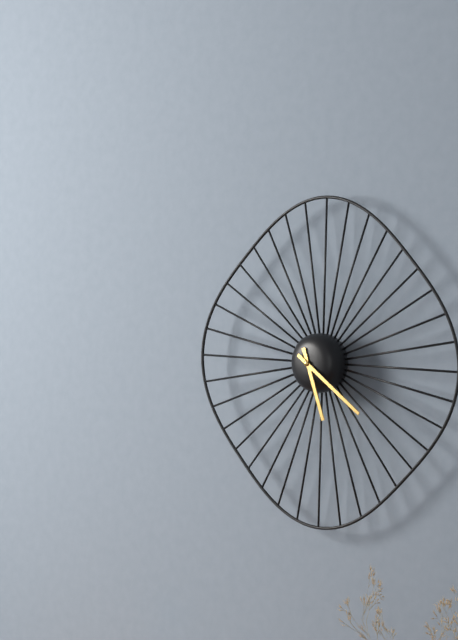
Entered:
5h21
